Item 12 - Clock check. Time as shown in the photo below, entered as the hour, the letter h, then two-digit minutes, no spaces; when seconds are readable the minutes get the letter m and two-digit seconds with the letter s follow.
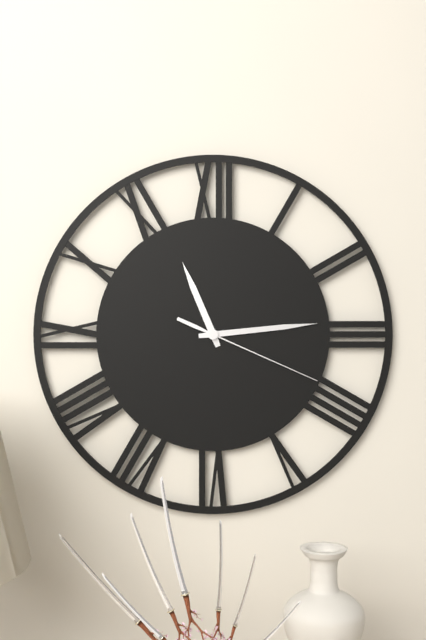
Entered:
11h14m19s
